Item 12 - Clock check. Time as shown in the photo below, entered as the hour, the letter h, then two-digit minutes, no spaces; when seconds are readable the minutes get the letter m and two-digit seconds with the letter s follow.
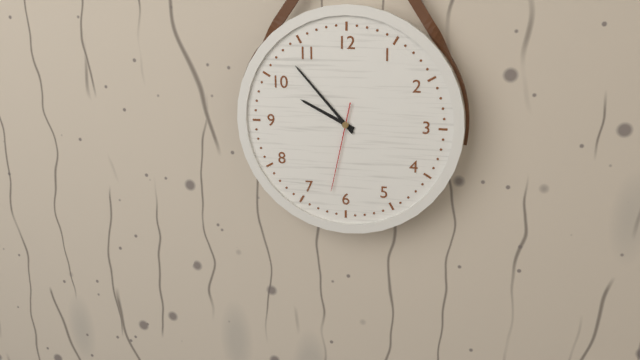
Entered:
9h53m32s
